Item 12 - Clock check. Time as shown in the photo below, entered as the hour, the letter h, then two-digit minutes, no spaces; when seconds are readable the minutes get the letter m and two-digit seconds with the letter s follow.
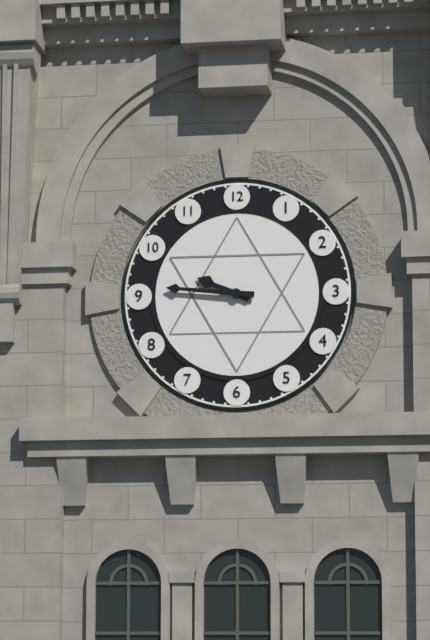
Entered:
9h46
